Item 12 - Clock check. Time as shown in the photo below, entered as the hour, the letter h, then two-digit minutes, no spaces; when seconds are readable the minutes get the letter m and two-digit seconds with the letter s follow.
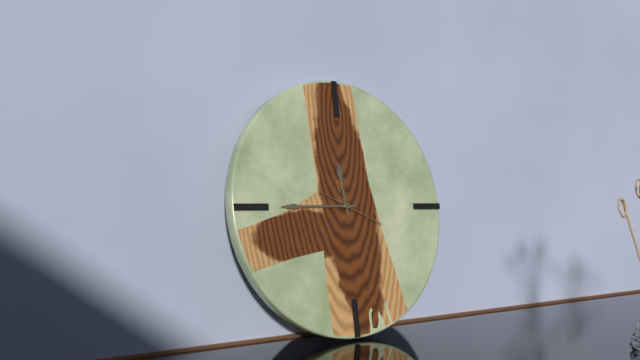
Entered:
11h45m19s
